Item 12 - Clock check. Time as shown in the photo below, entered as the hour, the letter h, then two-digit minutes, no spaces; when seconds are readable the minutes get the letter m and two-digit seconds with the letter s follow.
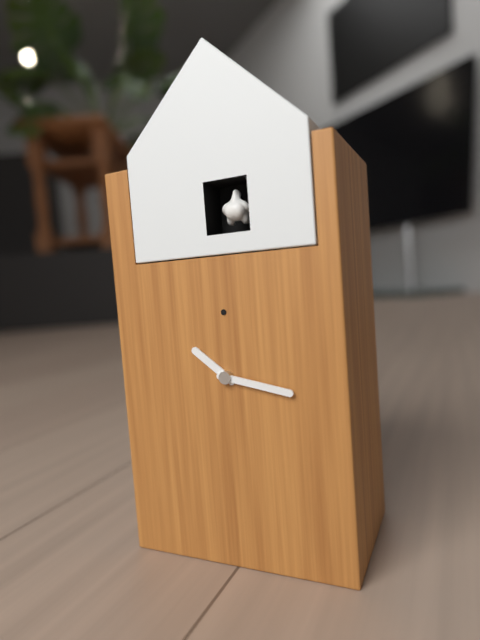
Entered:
10h17
